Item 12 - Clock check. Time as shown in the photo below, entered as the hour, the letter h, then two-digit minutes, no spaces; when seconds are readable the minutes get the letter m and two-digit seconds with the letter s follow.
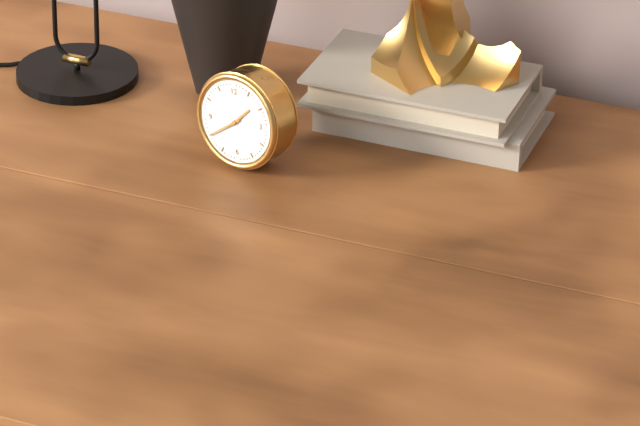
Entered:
1h40
